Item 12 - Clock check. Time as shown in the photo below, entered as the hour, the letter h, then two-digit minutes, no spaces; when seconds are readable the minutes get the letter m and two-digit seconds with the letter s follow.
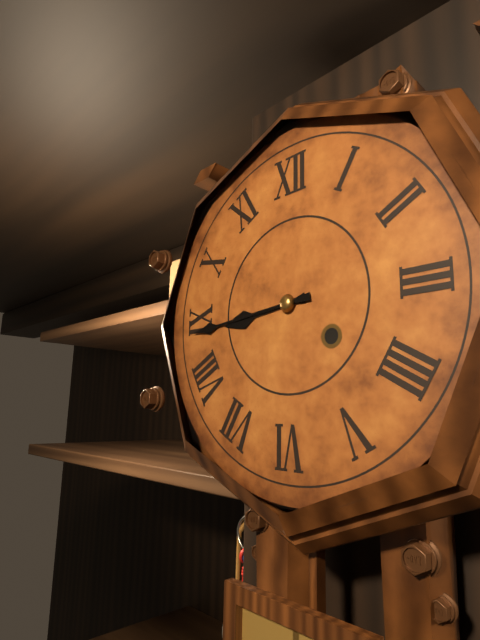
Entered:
8h44
